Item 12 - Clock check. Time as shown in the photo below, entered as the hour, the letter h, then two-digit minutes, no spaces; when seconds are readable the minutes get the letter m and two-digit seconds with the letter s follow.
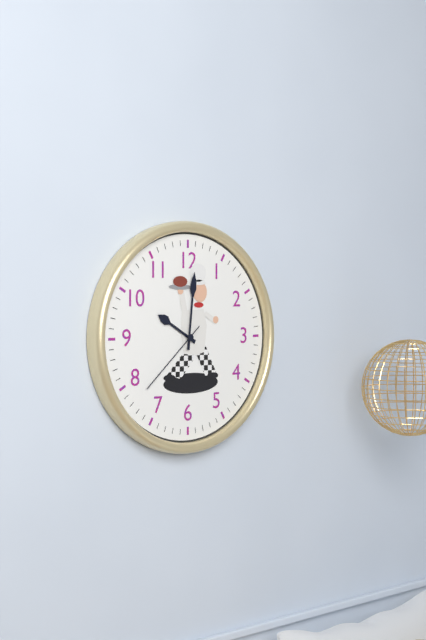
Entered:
10h01m38s
